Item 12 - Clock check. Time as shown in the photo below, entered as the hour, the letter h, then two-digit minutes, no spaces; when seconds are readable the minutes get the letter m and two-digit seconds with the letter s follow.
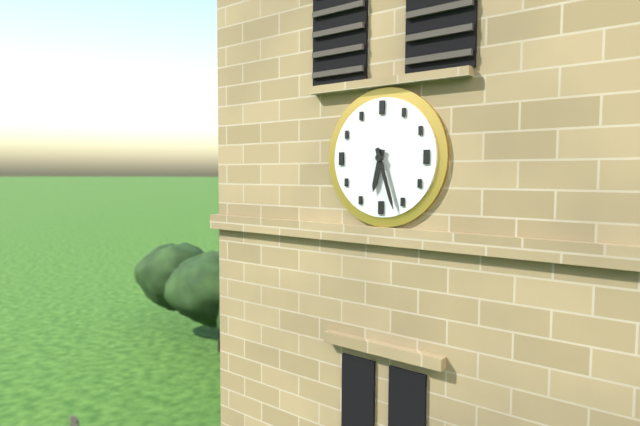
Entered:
6h27
